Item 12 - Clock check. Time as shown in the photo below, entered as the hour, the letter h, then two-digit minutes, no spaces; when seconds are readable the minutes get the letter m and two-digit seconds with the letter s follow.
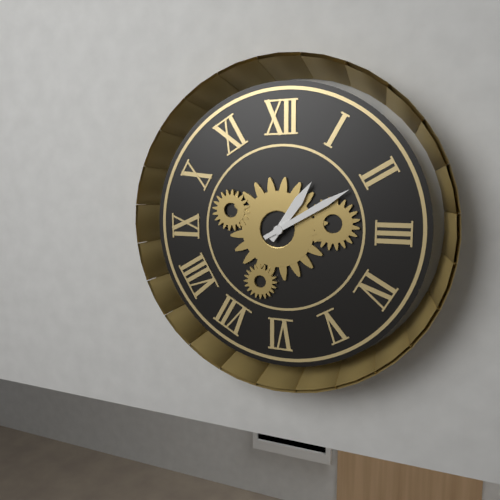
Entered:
1h10
